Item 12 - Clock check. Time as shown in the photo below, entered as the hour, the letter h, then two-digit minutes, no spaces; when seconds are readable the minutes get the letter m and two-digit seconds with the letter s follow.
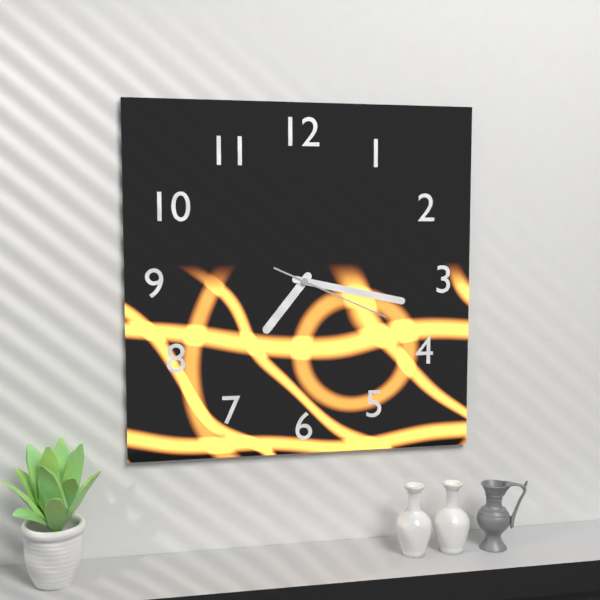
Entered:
7h17m19s
